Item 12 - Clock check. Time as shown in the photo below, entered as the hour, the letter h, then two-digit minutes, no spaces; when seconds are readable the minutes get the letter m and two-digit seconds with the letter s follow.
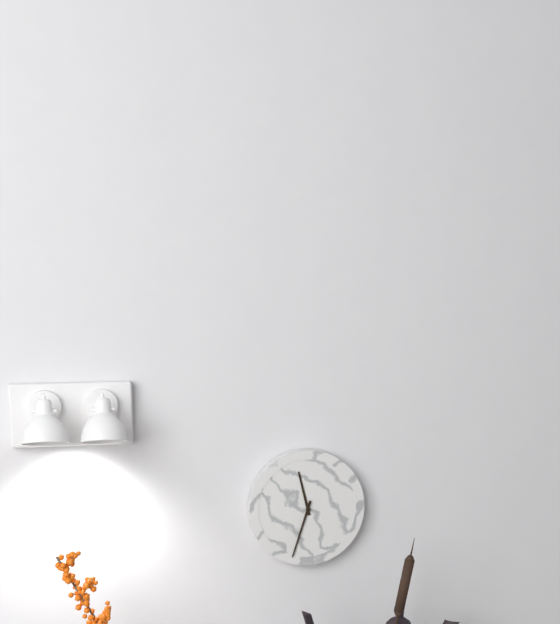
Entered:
11h33
